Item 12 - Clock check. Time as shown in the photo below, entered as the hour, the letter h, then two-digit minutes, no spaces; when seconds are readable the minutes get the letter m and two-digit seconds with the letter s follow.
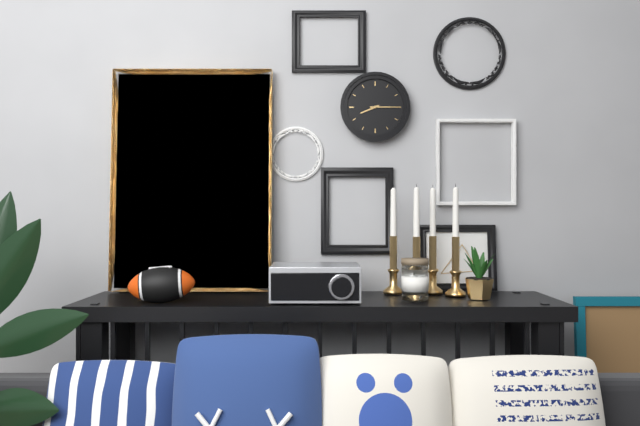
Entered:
8h15
